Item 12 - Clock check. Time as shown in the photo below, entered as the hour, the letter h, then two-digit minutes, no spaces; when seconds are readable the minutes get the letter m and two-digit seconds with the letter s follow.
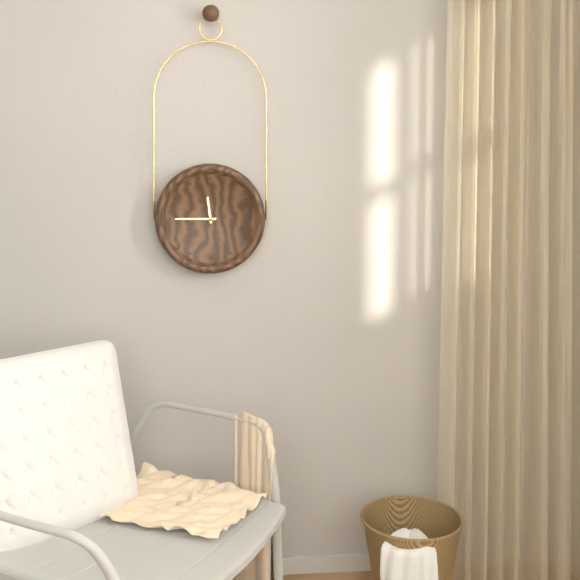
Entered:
11h45
